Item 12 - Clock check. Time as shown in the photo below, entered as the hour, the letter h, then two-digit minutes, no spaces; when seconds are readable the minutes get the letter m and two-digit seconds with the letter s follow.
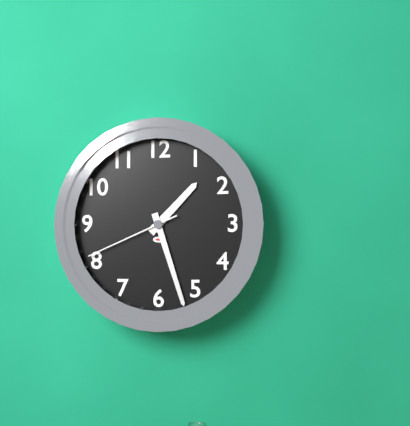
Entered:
1h27m41s
